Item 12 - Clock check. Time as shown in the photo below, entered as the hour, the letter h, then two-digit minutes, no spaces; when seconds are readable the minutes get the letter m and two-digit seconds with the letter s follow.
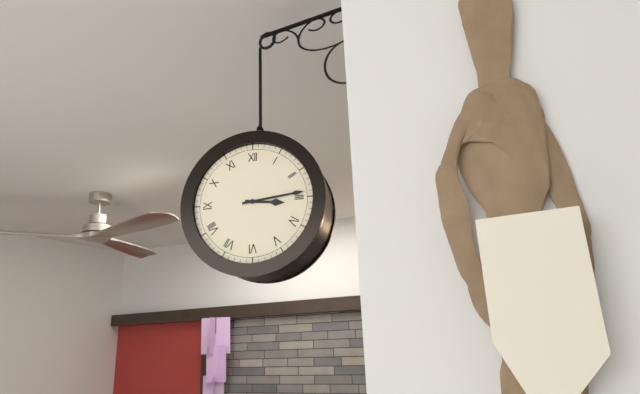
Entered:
3h14
